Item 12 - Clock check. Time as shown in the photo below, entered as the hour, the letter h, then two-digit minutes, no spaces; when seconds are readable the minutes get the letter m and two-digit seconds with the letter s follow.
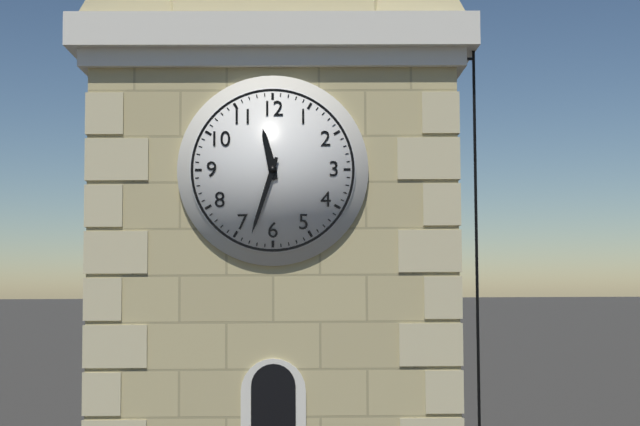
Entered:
11h33
